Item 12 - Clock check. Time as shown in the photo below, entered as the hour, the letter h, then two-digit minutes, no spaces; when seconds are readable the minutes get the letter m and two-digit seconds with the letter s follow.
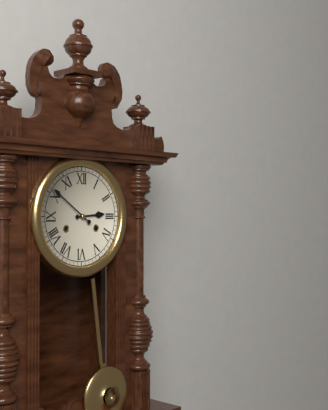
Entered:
2h51
